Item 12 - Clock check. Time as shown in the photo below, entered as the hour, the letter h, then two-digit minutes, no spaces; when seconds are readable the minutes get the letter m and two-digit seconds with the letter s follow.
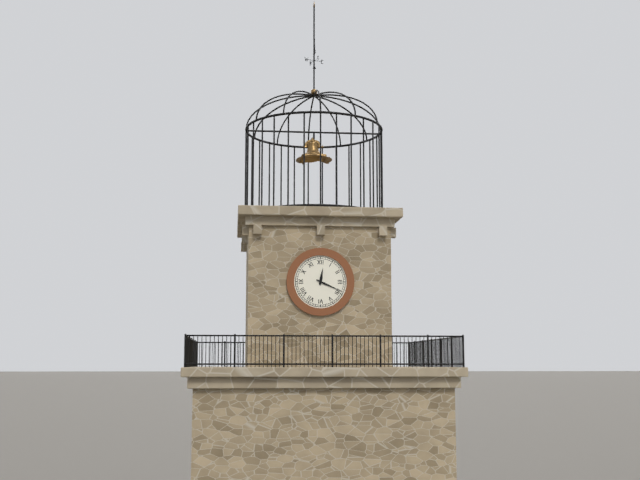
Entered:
12h19
